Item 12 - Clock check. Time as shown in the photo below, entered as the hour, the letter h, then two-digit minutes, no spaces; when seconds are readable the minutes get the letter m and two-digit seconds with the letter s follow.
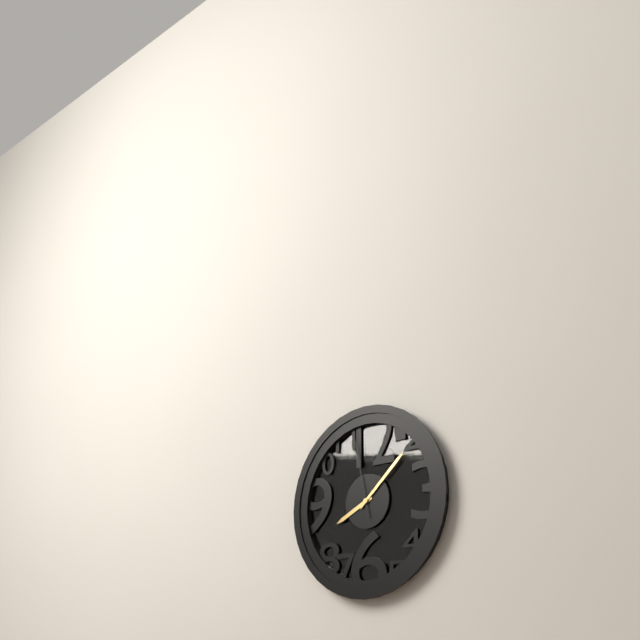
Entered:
8h08m58s
